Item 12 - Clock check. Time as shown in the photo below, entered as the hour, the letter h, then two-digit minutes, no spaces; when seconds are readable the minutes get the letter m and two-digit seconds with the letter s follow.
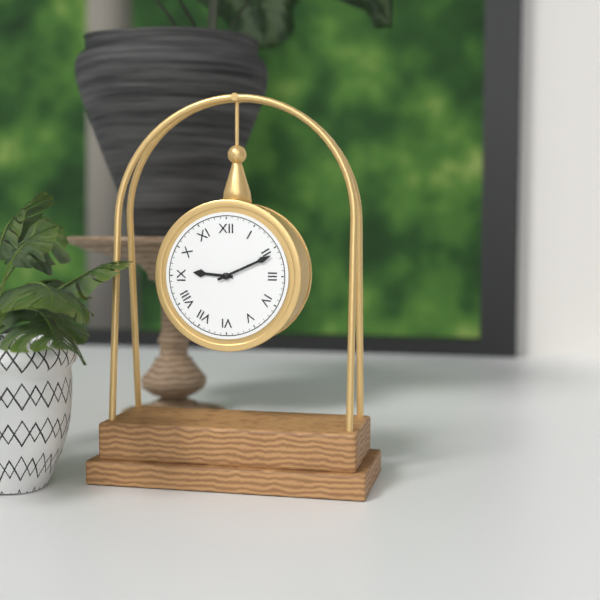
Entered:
9h11
